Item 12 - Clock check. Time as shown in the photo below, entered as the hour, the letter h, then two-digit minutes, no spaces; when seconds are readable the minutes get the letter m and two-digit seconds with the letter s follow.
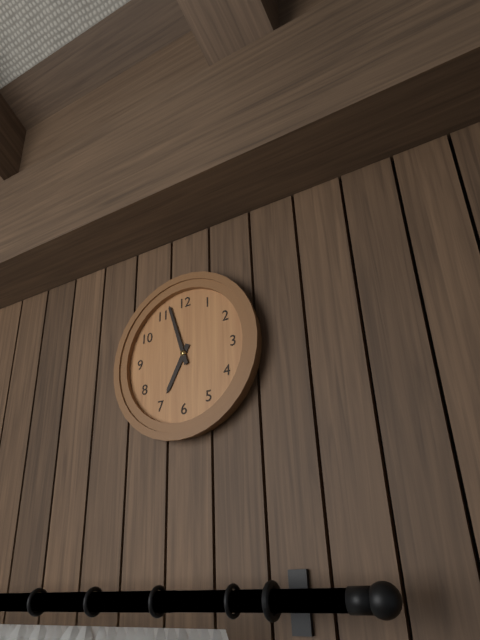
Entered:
6h57
